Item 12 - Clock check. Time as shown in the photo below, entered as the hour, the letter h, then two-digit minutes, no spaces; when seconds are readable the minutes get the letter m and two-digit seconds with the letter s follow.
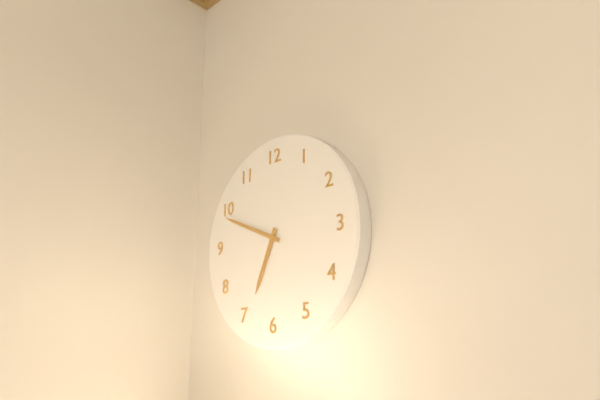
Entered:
6h49
